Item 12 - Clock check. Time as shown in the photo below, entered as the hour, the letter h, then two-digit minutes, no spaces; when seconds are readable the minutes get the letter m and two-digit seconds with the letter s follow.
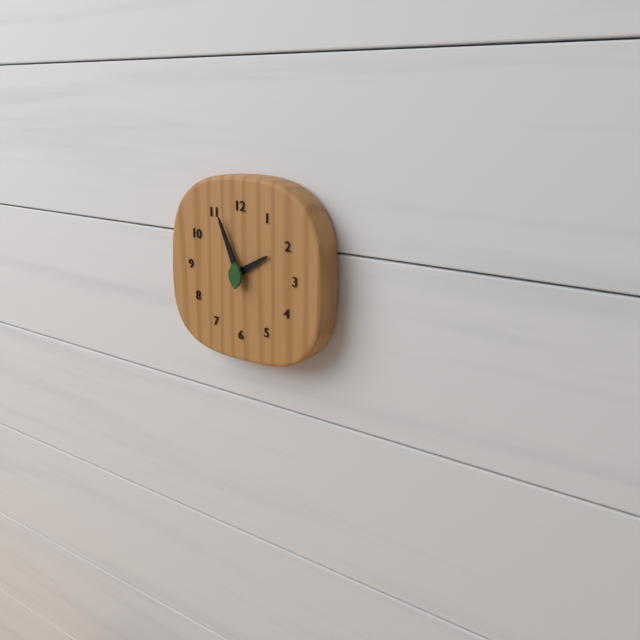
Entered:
1h56
